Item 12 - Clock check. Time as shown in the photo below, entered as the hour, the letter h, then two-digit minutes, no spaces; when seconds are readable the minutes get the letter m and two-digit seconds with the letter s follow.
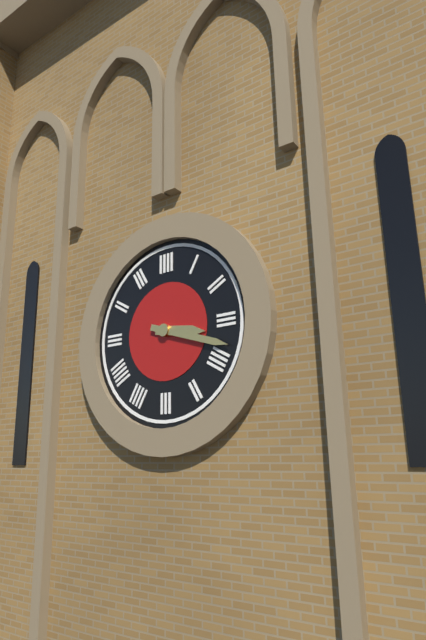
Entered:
3h18
